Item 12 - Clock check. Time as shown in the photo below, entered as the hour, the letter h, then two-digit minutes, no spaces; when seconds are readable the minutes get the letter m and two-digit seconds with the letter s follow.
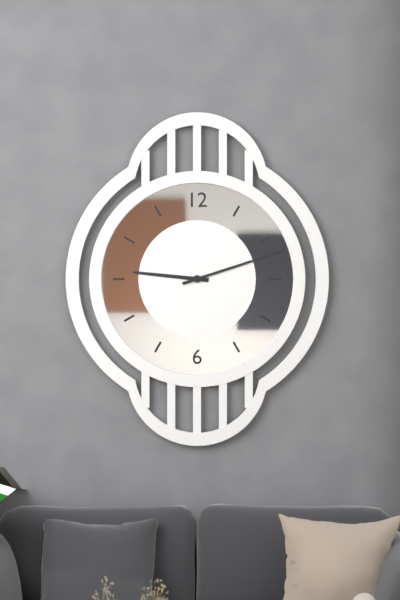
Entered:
9h12
